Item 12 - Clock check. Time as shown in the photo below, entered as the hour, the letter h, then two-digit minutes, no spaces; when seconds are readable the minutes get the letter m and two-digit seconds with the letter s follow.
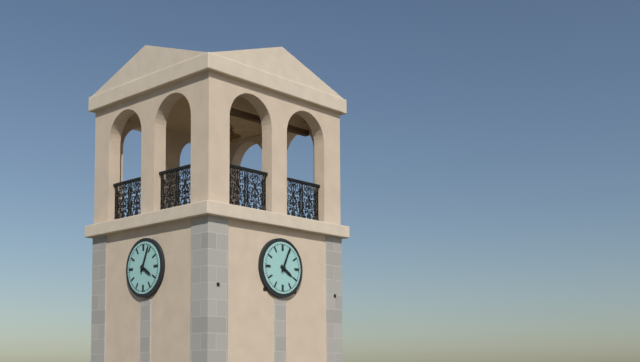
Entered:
4h04
